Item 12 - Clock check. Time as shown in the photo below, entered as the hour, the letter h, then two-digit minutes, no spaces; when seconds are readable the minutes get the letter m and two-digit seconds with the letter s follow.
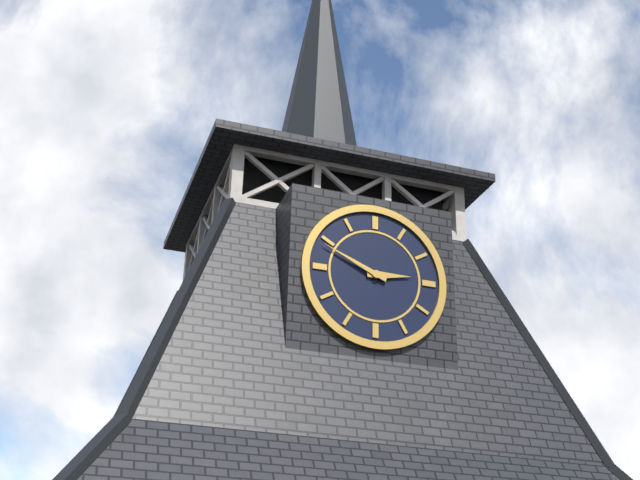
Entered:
2h49
